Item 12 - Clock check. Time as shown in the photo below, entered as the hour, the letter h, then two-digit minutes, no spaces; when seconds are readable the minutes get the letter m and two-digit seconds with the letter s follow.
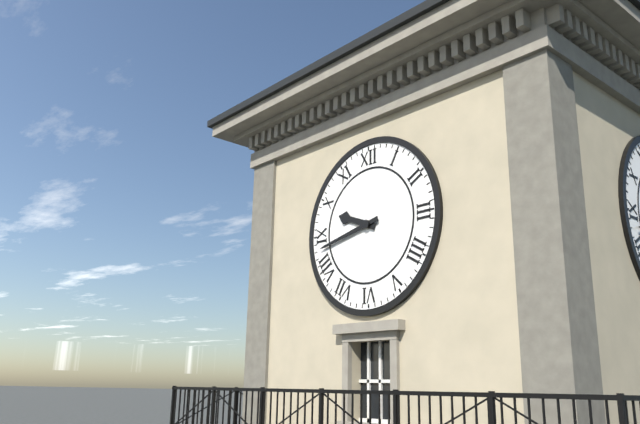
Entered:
9h43
